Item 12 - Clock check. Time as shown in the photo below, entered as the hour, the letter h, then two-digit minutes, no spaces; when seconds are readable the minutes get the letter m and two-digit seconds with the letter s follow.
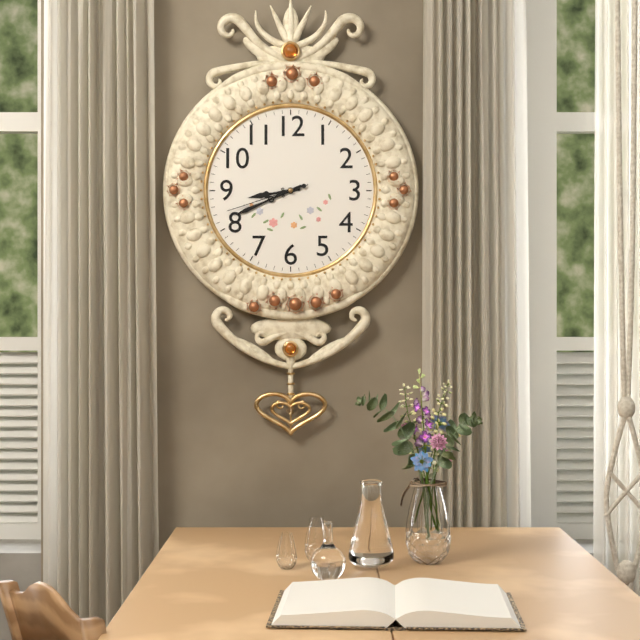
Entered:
8h41m42s
